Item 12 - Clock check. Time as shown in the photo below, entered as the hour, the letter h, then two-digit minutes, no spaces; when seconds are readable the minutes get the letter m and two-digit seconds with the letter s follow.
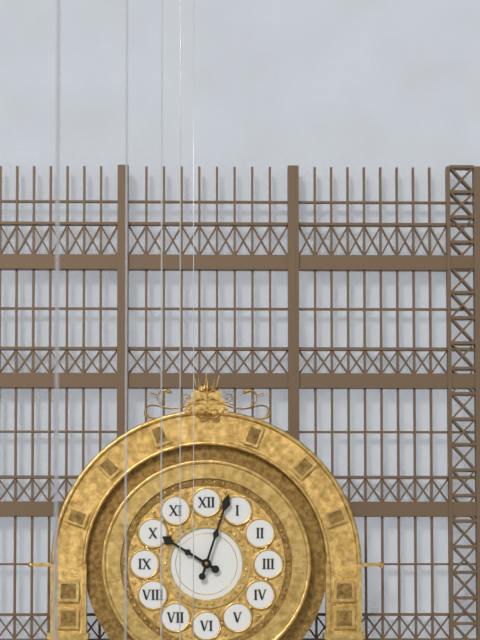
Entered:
10h03
